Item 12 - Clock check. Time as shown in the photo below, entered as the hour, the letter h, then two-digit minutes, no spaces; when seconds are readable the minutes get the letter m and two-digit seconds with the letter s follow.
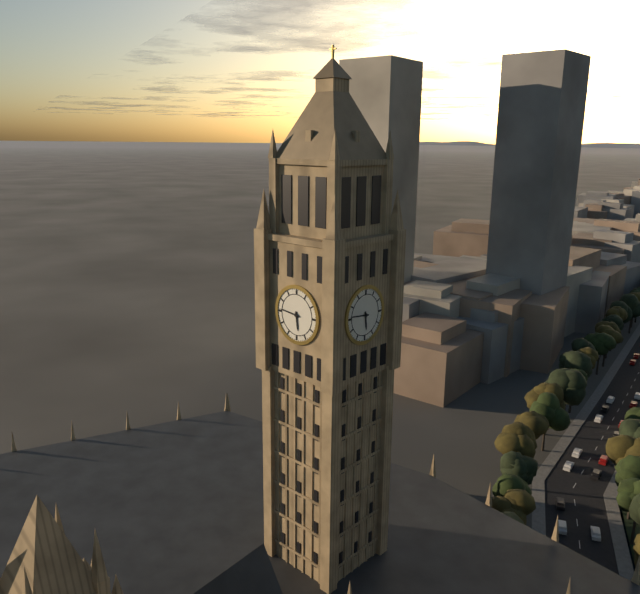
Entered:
5h46
